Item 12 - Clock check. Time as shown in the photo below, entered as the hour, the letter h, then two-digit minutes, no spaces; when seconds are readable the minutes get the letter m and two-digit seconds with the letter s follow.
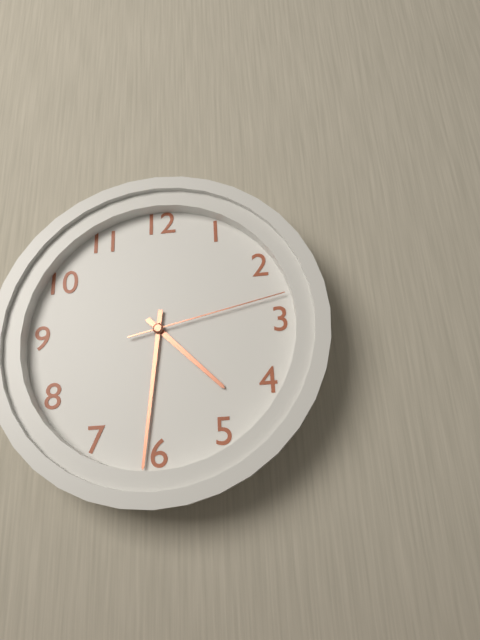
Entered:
4h31m13s
